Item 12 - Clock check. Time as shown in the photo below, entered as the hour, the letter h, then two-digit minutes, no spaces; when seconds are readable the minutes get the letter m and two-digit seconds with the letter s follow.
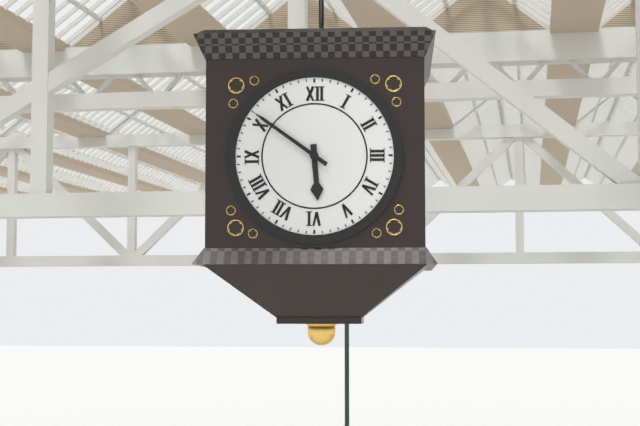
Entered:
5h51
